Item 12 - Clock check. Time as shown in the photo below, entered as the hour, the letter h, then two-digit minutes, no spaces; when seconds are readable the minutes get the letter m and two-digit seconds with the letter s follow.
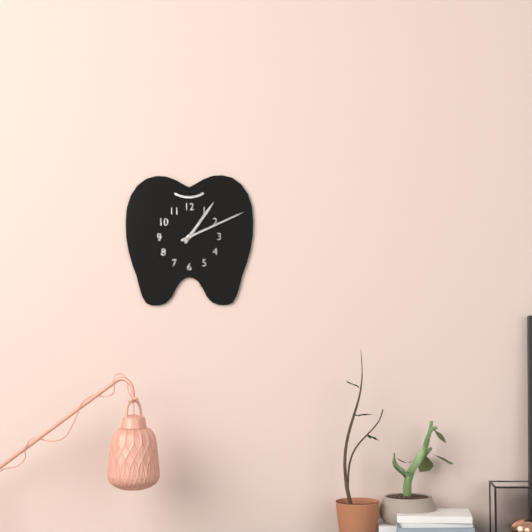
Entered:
1h11
